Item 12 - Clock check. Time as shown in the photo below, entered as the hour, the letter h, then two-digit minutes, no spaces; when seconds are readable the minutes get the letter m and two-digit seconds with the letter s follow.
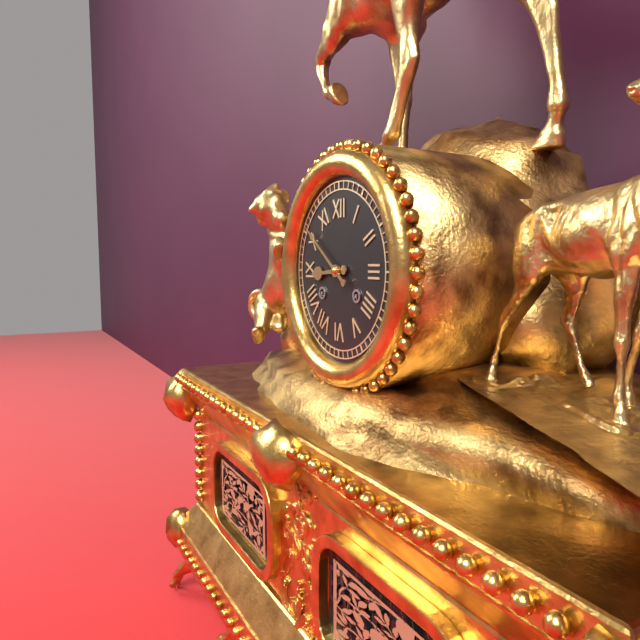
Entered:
8h51
